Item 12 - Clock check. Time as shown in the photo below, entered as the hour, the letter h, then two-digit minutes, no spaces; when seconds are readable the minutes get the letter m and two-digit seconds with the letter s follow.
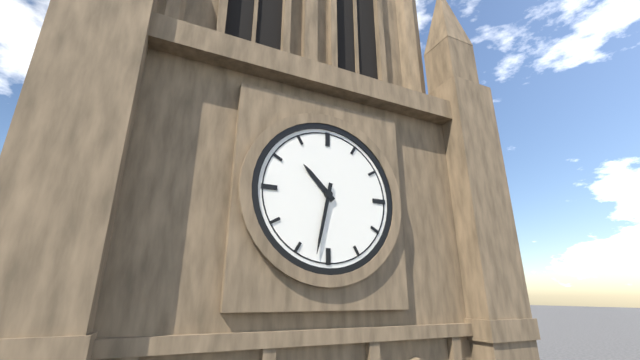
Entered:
10h32
